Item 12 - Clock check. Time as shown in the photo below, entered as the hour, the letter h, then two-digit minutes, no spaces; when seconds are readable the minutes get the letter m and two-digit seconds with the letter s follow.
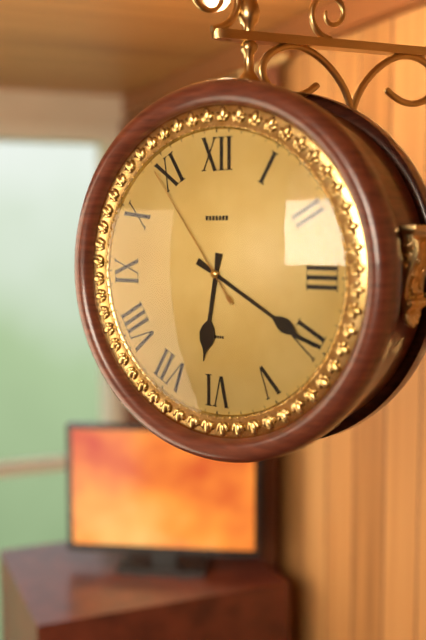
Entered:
6h20m54s
